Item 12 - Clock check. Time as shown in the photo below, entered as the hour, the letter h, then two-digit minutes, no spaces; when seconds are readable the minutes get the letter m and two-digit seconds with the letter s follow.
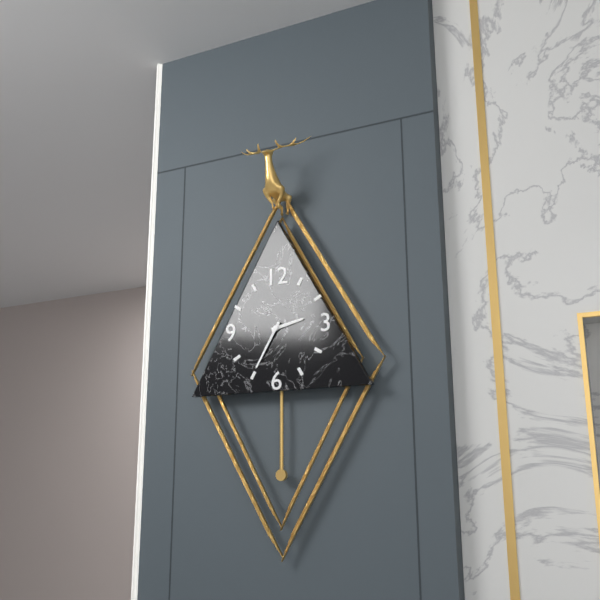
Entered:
2h35
